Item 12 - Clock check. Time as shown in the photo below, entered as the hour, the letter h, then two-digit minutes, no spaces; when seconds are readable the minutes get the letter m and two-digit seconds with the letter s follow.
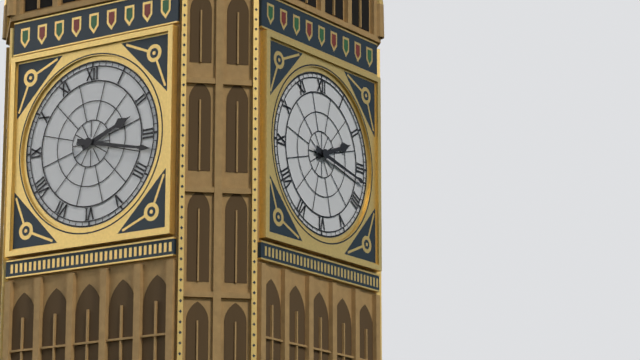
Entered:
2h17
